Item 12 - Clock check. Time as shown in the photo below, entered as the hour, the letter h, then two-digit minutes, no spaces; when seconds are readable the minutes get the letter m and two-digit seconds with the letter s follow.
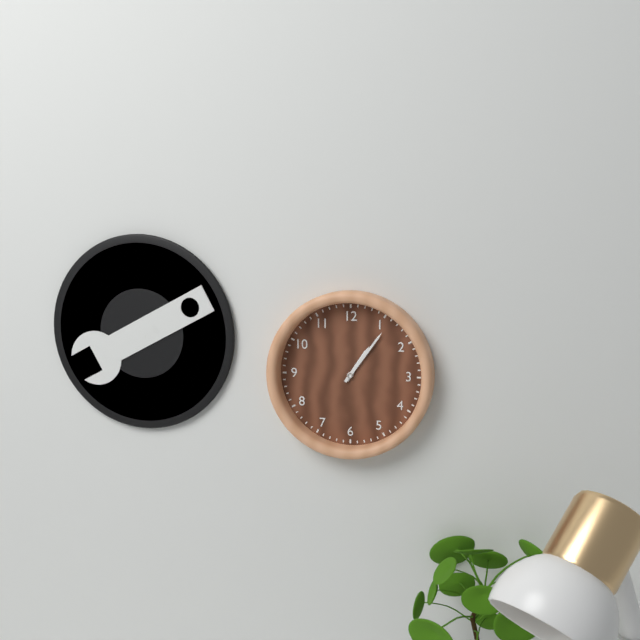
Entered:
1h06
